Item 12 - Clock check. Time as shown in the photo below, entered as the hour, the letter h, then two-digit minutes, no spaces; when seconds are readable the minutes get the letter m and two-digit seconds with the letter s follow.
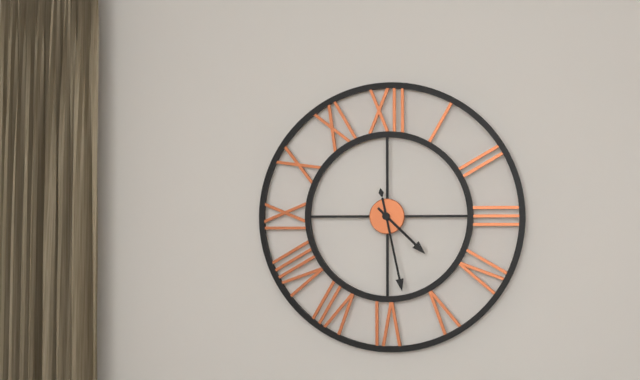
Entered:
4h28
